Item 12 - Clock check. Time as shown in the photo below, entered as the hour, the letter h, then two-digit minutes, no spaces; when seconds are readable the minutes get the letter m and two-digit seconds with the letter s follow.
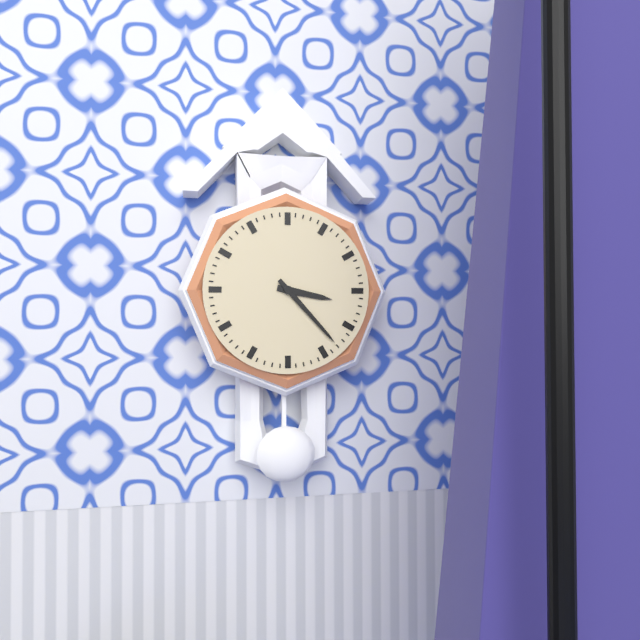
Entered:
3h23
